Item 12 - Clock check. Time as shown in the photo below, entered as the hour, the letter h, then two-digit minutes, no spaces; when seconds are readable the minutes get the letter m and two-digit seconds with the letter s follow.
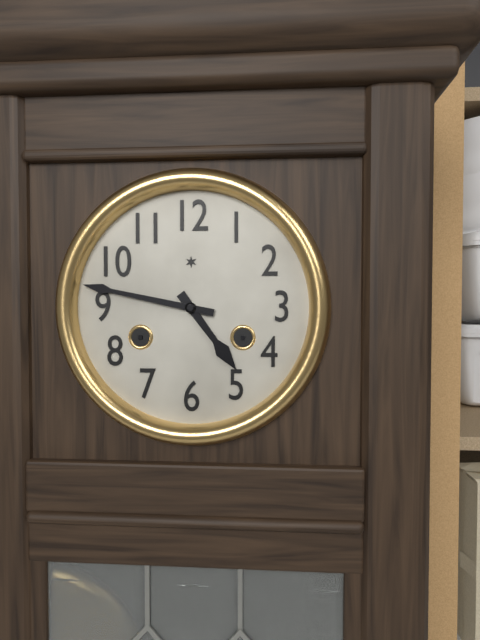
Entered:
4h47
